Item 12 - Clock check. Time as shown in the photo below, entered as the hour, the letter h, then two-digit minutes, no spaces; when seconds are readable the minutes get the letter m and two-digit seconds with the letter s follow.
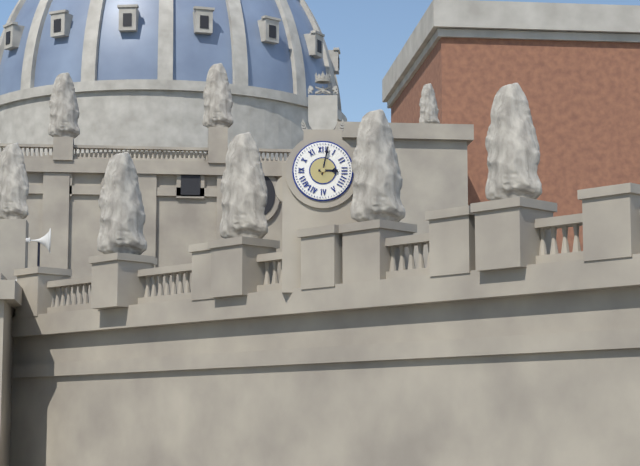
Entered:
3h02
